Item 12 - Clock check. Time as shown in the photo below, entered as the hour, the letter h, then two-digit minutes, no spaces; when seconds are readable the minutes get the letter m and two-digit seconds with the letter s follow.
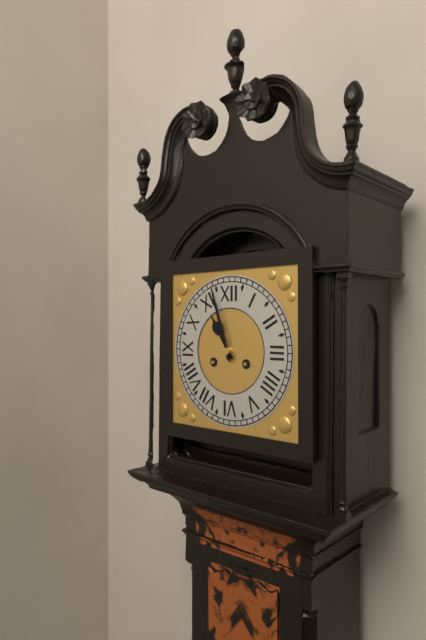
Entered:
10h57
